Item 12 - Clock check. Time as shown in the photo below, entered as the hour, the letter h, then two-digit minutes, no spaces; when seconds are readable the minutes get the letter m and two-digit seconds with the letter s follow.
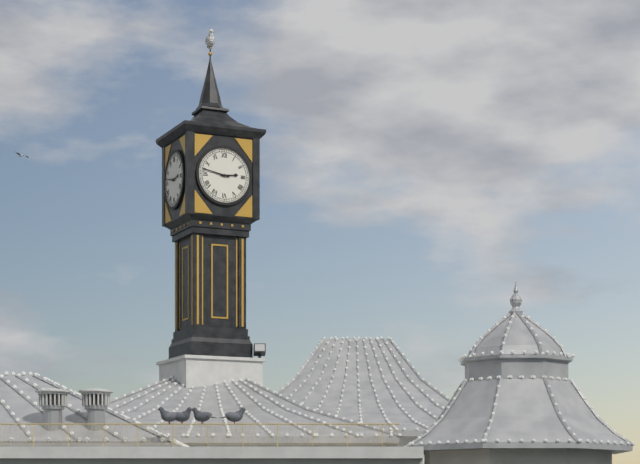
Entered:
2h47
